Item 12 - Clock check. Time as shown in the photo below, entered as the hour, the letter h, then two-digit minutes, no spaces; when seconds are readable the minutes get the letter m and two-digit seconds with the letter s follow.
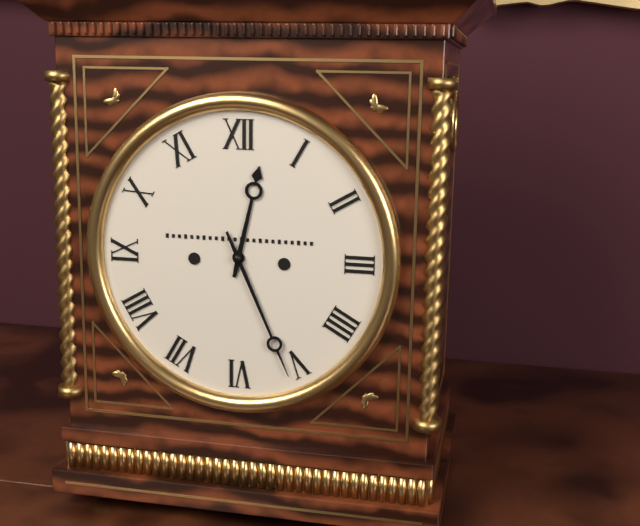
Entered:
12h26
